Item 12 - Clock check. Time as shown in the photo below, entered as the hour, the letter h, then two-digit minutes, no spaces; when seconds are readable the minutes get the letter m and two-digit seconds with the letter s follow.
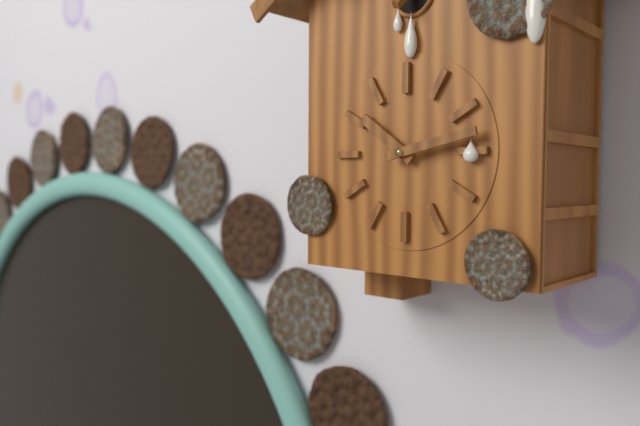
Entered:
10h13
